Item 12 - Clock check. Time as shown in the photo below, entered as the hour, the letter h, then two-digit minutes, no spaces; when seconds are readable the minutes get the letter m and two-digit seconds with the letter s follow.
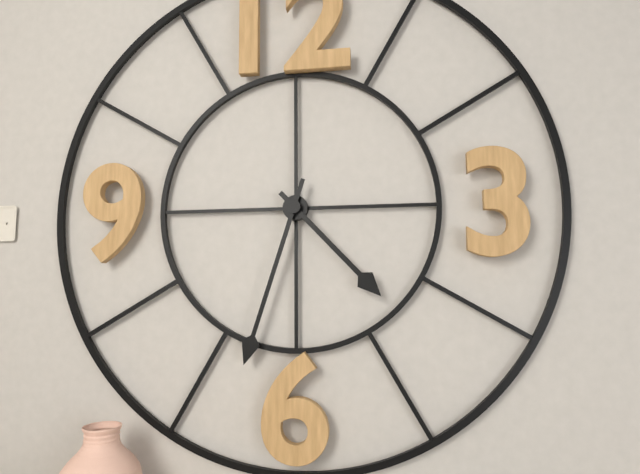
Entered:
4h33
